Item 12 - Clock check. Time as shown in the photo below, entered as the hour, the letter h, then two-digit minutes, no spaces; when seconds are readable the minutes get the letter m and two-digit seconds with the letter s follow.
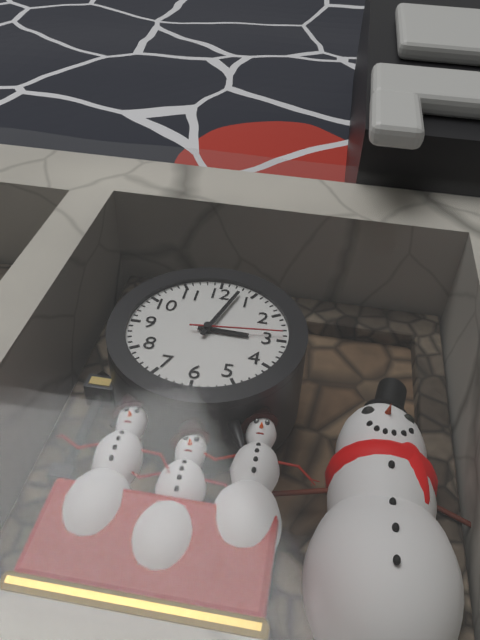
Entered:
3h03m14s
